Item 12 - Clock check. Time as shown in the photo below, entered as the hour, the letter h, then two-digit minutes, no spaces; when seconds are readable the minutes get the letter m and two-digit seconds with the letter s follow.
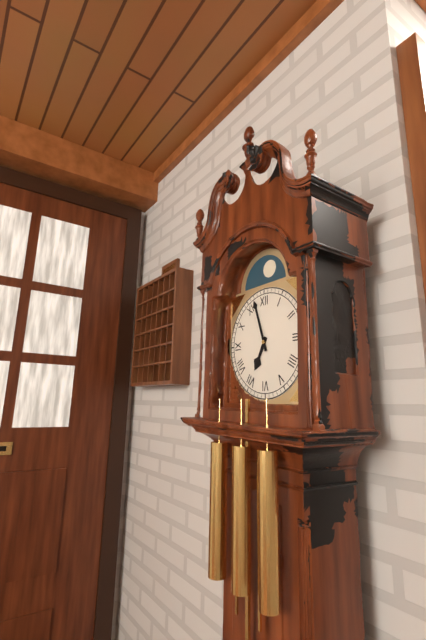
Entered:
6h57
